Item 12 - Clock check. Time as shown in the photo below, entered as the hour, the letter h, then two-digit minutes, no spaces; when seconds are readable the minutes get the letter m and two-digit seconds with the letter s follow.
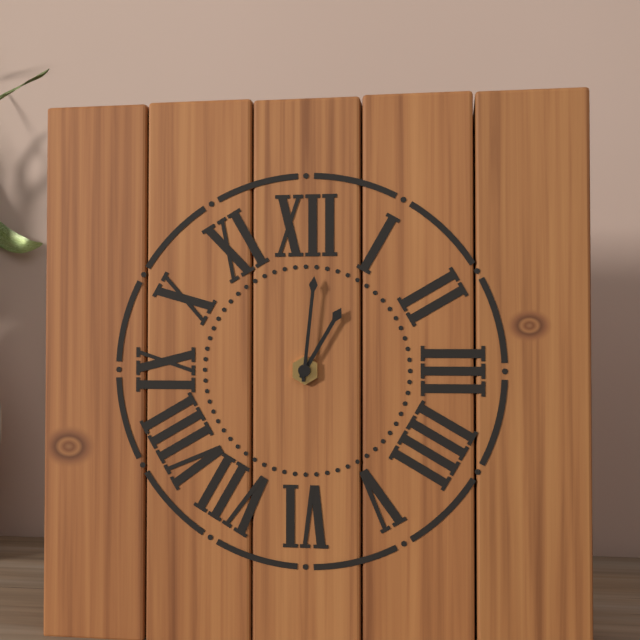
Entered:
1h01
